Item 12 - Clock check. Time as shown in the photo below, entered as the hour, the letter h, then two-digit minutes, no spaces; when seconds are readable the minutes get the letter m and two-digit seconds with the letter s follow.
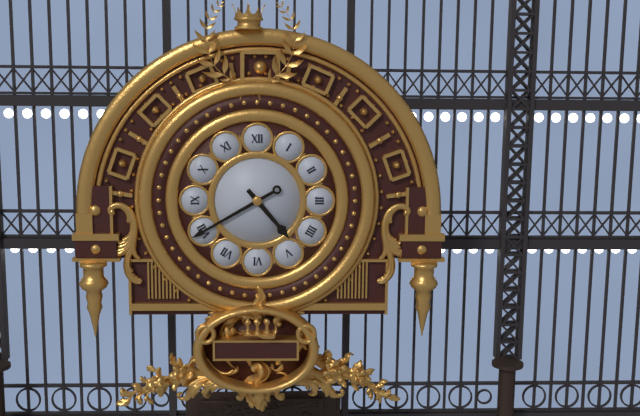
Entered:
4h40
